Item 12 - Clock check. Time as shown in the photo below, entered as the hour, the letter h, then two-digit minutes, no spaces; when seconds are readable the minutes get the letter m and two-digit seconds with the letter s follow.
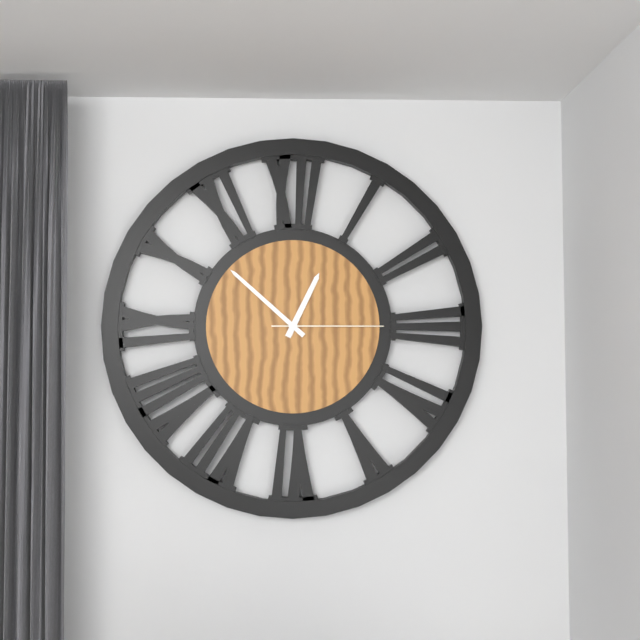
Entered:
12h52m15s
